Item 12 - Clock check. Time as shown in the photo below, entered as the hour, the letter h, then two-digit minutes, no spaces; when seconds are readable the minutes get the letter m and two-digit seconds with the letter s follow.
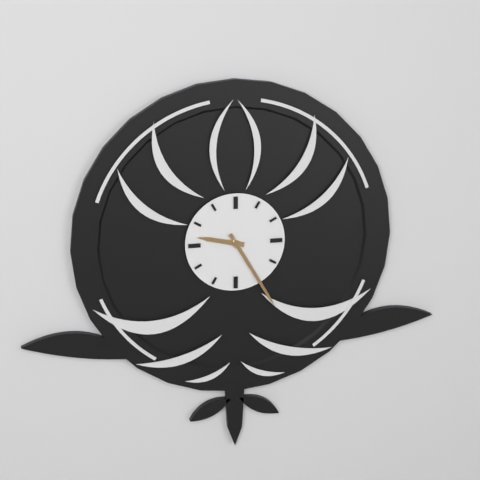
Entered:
9h25
